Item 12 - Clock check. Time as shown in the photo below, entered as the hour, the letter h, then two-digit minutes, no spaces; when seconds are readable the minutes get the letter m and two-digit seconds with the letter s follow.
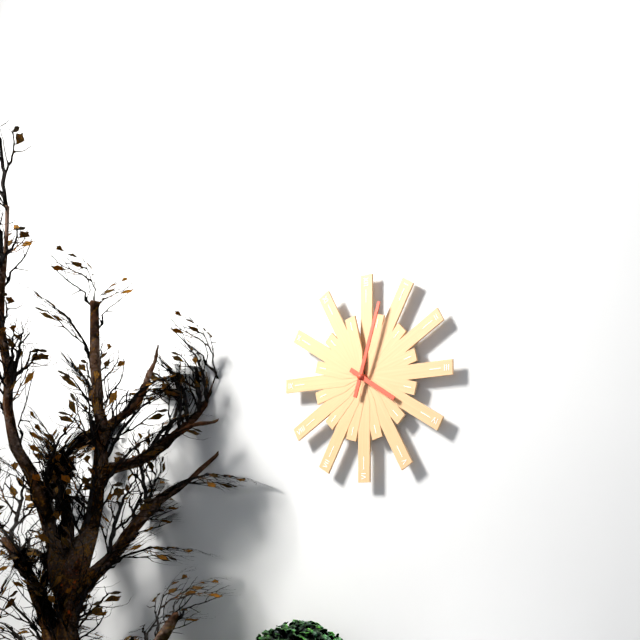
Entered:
4h03
